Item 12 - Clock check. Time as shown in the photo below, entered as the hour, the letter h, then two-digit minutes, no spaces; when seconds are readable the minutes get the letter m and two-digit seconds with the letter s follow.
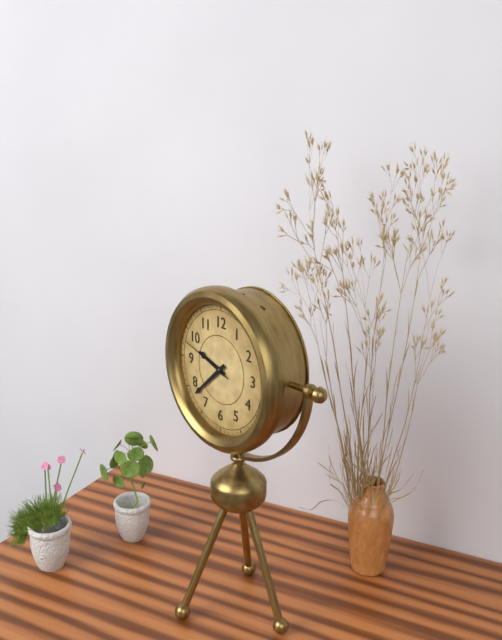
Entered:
9h38m48s
